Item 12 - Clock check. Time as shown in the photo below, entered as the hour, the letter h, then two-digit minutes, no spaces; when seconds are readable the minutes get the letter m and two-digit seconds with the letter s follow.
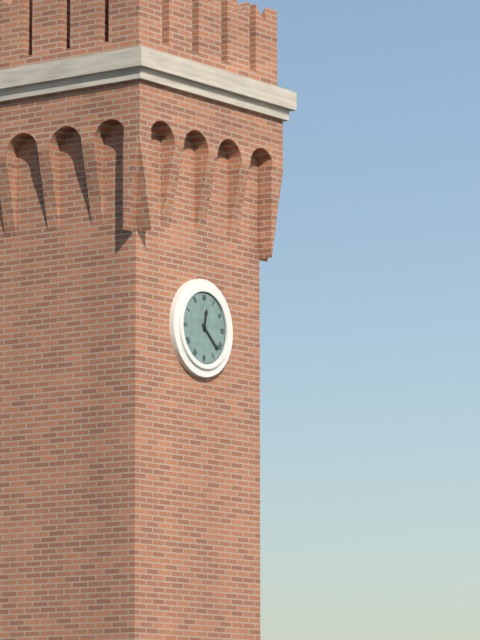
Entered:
12h22
